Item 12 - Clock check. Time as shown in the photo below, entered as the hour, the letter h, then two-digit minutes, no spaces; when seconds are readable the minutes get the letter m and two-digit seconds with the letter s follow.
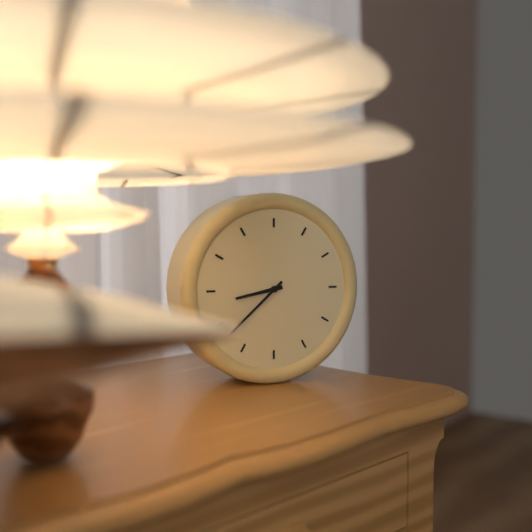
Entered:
8h38
